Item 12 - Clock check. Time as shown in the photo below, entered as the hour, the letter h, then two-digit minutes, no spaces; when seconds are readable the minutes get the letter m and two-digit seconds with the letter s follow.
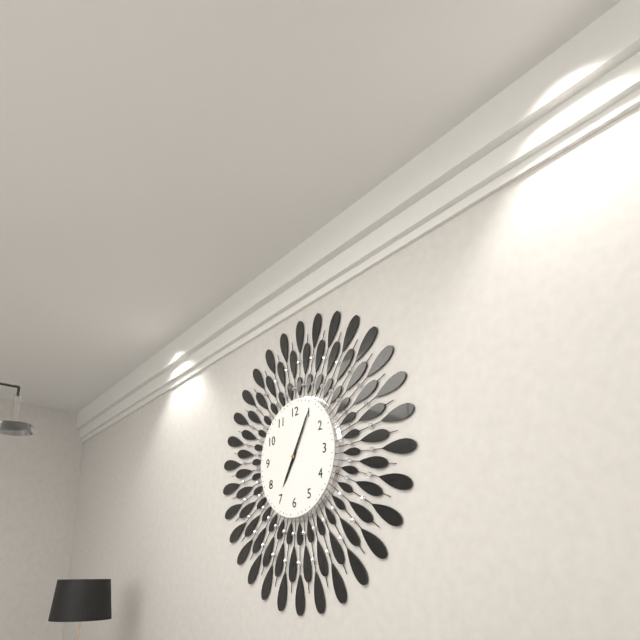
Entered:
7h05
